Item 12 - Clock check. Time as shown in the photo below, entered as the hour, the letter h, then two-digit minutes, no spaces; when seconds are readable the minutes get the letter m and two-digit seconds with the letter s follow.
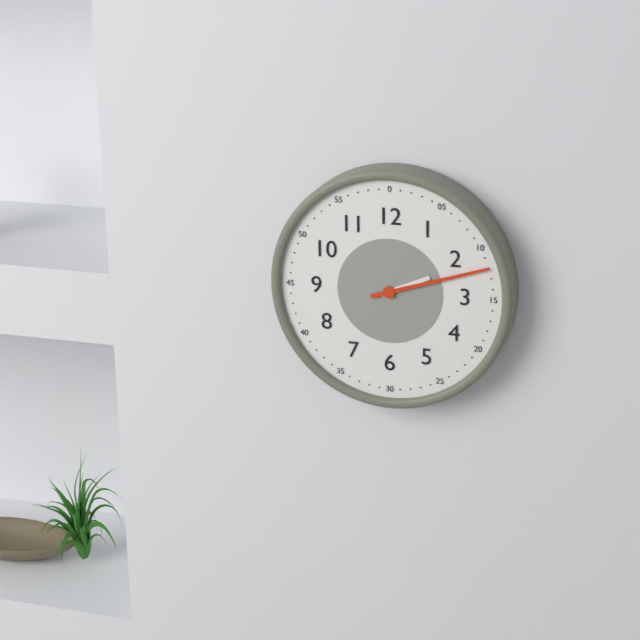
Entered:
2h12
